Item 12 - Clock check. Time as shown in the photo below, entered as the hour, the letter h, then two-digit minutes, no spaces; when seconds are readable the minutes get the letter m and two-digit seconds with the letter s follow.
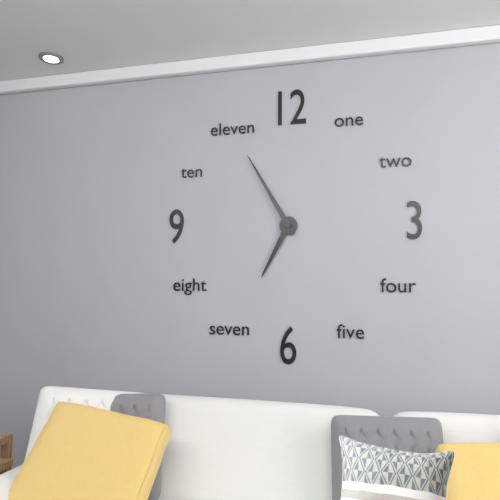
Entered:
6h55
